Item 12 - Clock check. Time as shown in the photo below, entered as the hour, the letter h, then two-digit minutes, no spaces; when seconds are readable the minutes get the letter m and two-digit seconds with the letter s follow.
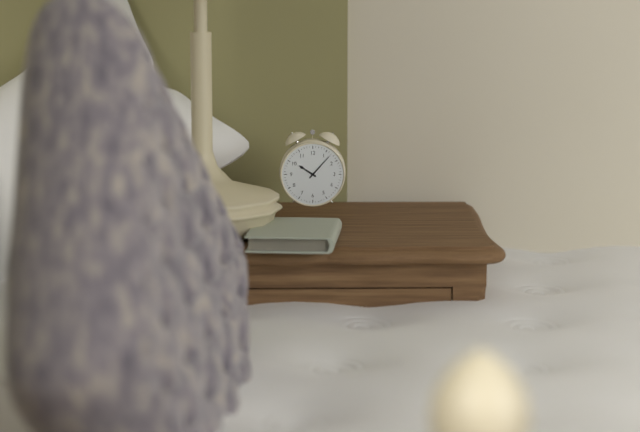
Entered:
10h07
